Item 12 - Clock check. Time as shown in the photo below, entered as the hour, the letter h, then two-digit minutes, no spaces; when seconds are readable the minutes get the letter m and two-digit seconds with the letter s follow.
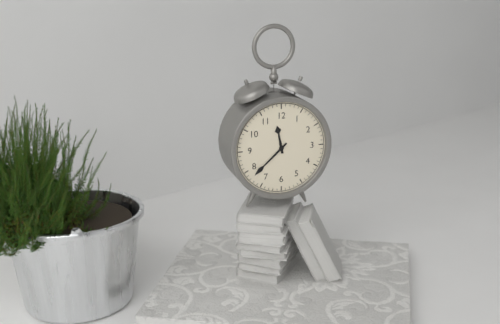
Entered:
11h38
